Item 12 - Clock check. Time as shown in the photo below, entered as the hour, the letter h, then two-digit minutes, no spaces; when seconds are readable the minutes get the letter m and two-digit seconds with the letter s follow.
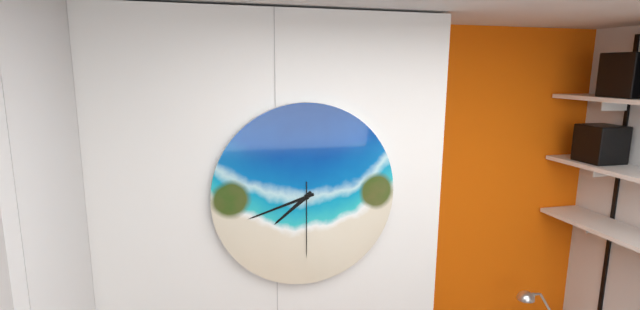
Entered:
7h42m30s
